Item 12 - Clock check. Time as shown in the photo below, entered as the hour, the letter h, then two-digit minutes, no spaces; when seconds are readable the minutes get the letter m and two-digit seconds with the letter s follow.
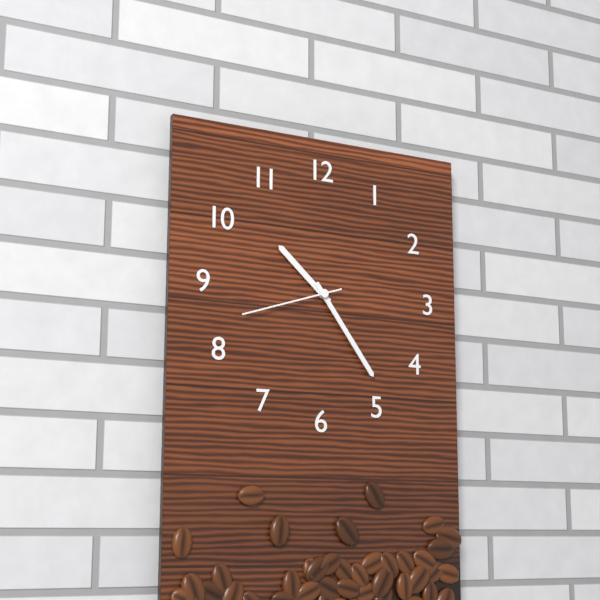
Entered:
10h24m42s
